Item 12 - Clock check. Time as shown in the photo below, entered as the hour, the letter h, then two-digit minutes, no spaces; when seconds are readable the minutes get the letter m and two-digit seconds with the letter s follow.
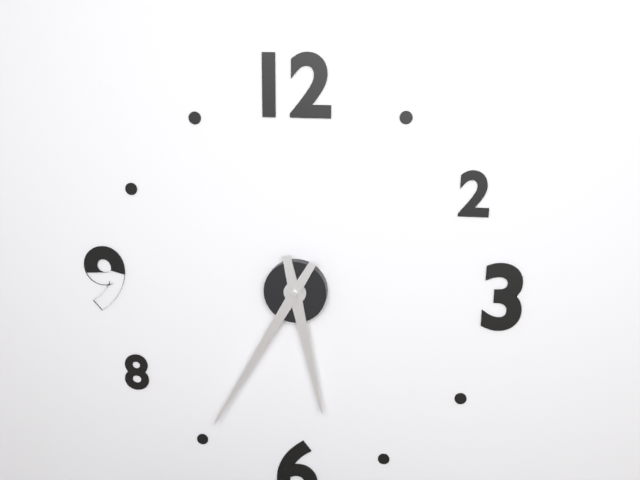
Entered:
5h35
